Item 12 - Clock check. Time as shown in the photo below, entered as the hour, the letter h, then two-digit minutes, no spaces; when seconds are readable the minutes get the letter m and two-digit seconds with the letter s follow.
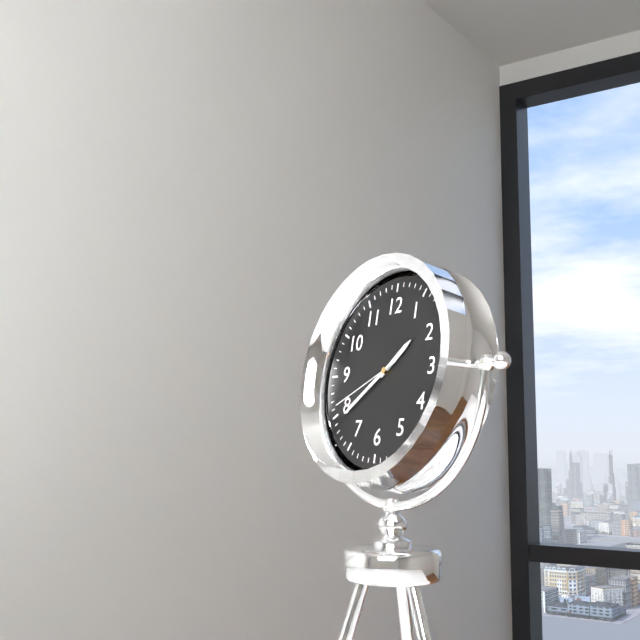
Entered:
1h39m41s
